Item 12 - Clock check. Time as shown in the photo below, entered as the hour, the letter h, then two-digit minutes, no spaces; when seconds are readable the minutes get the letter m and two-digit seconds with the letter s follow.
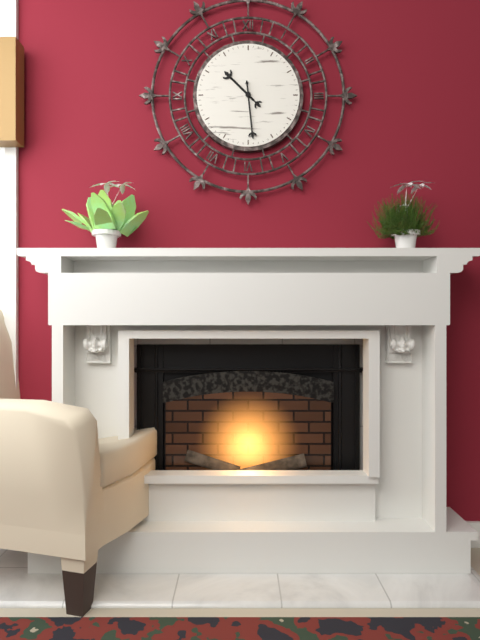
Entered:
10h29
